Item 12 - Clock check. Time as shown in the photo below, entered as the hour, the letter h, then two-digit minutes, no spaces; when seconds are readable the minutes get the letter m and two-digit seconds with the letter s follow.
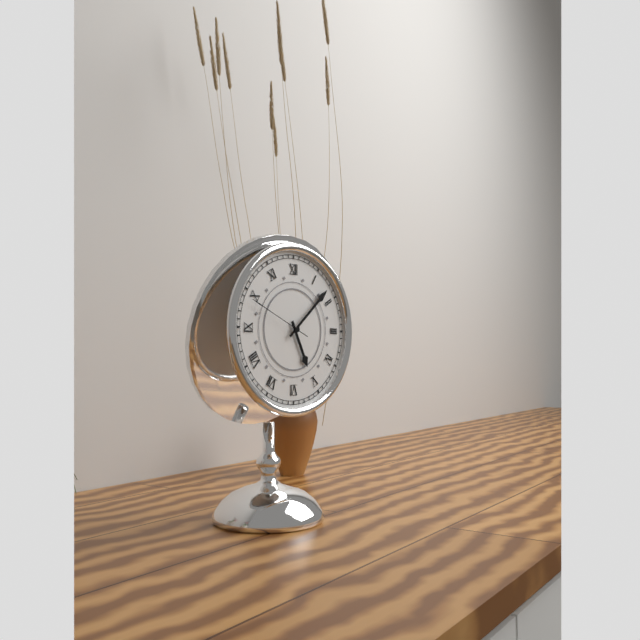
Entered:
5h08m49s
